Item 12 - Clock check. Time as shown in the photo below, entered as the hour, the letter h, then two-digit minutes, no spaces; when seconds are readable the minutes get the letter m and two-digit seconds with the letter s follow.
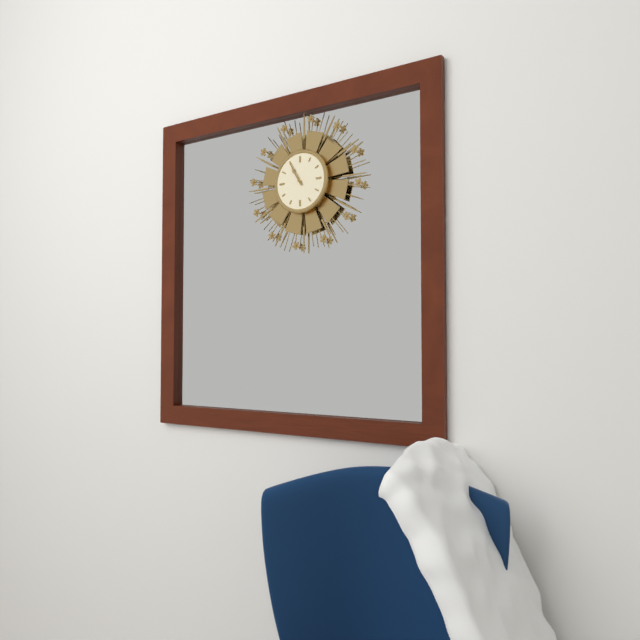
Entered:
10h55
